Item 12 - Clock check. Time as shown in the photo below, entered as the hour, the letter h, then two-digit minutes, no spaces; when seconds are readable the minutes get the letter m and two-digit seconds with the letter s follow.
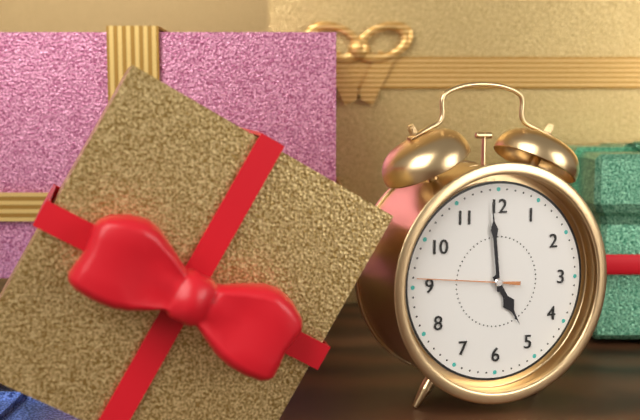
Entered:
4h59m46s
